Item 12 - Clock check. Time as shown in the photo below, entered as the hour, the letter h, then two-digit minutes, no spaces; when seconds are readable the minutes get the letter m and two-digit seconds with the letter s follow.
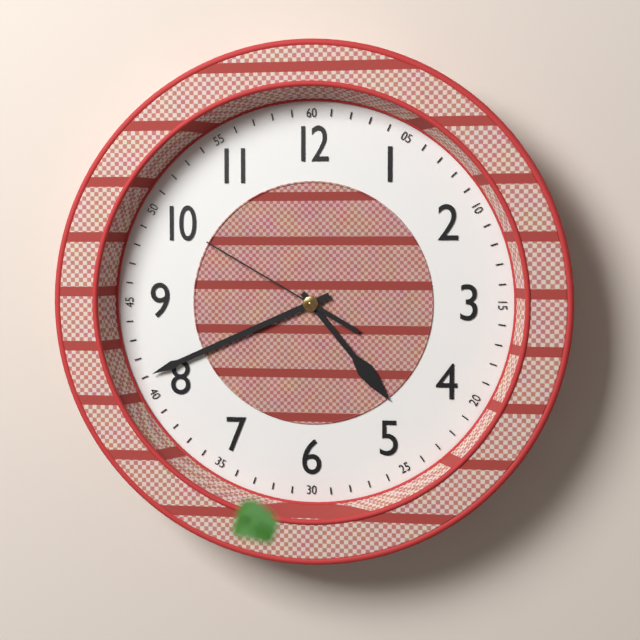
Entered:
4h41m50s
